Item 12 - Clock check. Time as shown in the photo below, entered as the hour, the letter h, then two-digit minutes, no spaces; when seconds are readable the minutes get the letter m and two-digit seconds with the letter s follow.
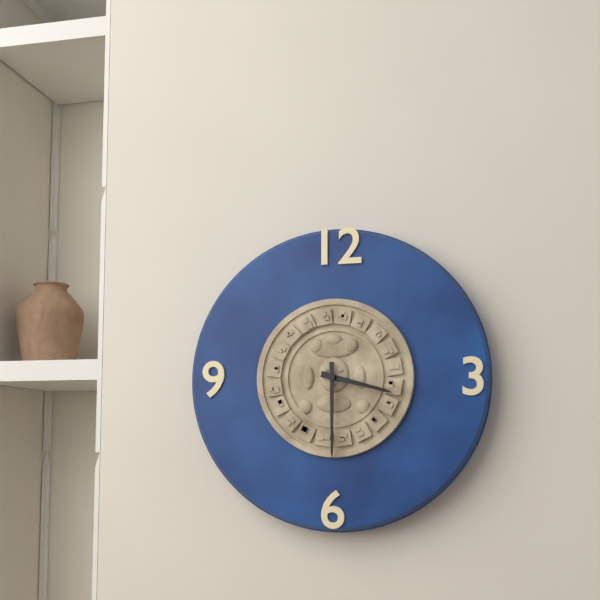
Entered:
3h30
